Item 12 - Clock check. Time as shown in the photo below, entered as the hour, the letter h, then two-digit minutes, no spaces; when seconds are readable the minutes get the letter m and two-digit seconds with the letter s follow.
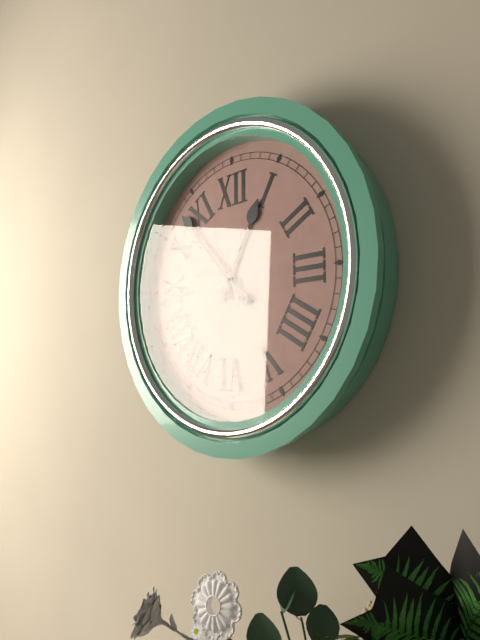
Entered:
12h53
